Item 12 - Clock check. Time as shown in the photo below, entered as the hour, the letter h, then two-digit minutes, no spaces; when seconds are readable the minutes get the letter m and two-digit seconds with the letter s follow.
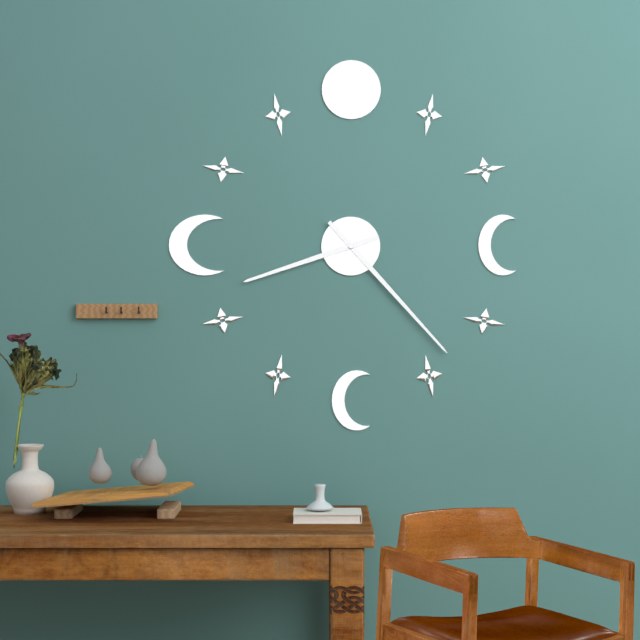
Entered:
8h23
